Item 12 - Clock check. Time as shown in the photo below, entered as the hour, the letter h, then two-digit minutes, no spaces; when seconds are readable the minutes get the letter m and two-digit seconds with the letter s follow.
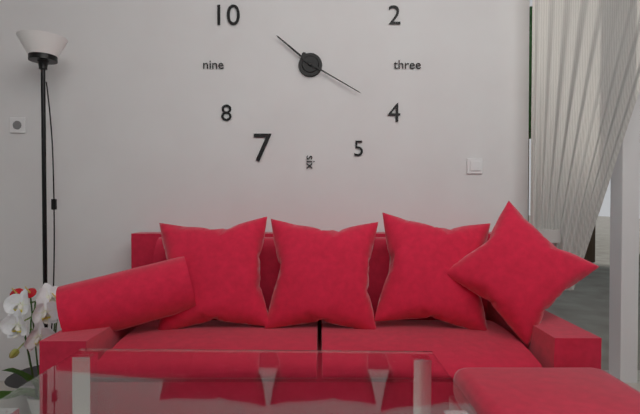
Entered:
10h20
